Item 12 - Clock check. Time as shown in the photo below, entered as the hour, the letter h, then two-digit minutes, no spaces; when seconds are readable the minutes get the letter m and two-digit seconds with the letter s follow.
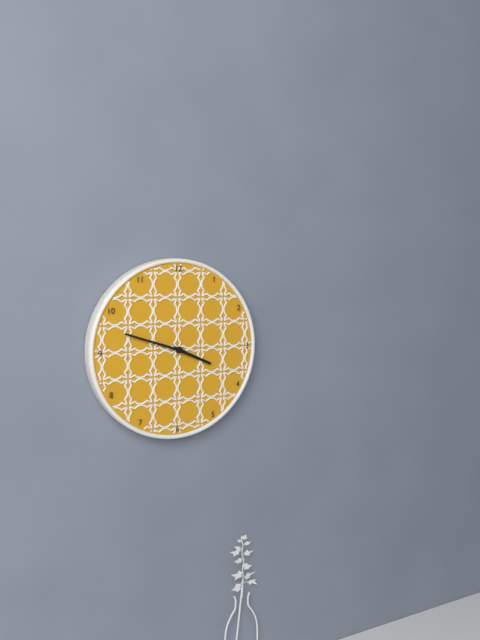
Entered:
3h48
